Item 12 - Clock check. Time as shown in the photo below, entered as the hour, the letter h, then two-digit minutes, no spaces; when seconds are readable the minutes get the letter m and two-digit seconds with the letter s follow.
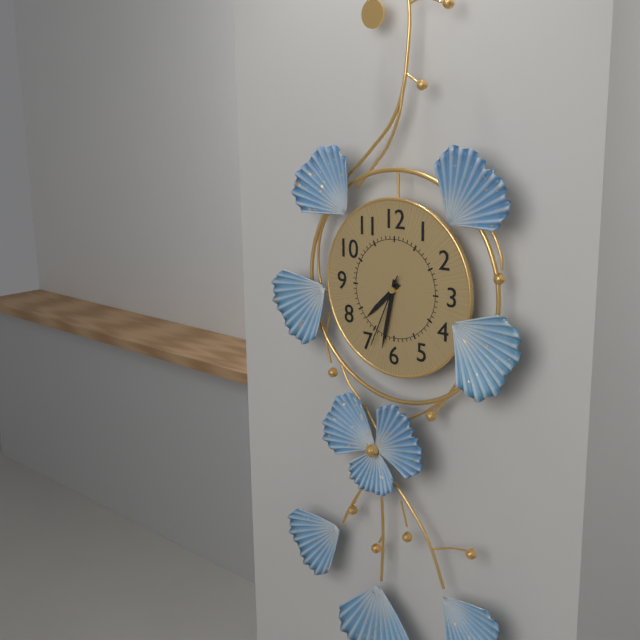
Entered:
7h32m34s
